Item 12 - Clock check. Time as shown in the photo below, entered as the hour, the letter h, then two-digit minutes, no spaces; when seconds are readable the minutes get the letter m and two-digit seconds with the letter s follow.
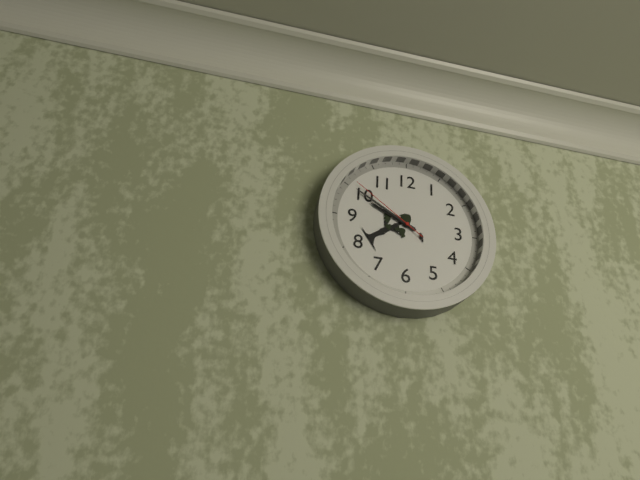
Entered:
9h50m51s
